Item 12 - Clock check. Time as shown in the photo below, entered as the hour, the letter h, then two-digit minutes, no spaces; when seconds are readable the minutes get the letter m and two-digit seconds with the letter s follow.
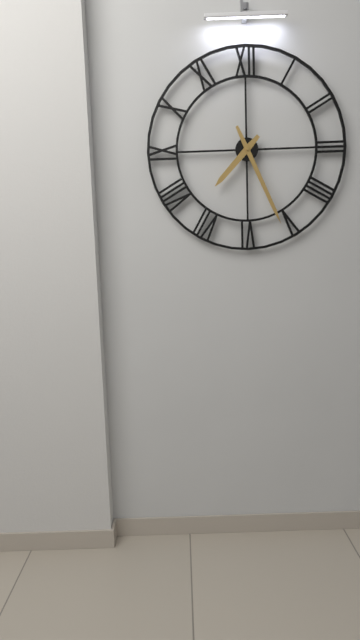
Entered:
7h26
